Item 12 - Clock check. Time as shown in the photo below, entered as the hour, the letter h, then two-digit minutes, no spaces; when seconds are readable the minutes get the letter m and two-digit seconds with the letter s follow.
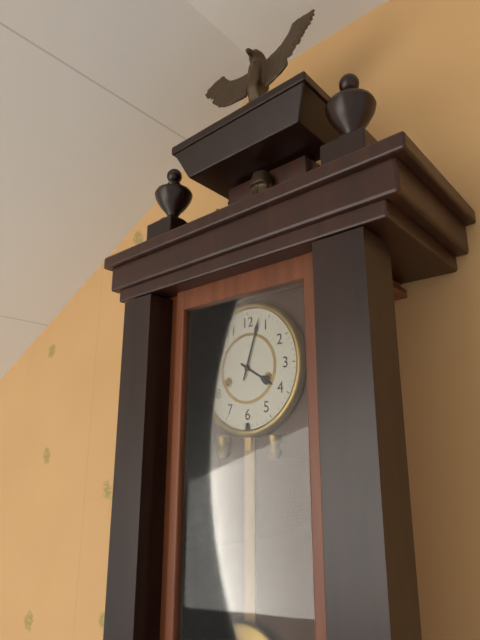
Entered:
4h03
